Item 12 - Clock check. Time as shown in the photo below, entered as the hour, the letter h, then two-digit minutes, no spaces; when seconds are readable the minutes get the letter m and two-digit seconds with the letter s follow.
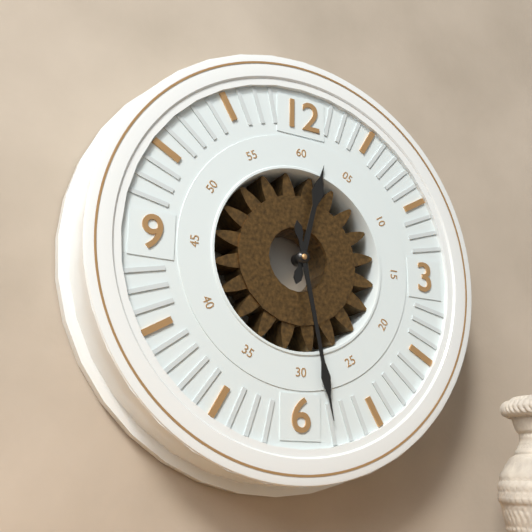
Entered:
12h28
